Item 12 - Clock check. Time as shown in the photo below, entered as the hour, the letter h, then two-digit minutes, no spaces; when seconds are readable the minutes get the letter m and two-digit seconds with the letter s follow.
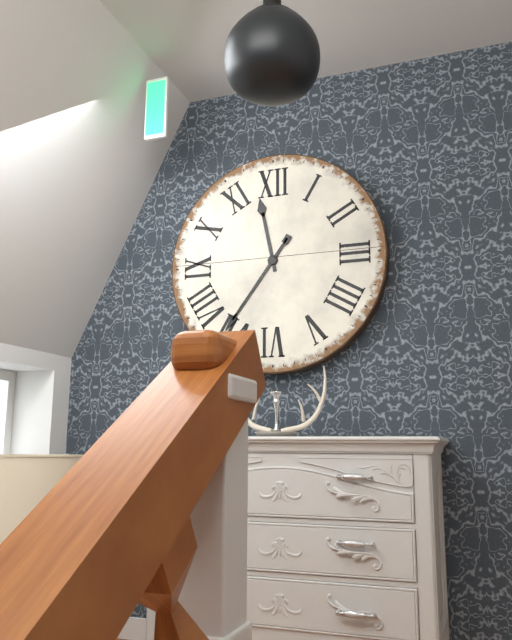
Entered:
11h36
